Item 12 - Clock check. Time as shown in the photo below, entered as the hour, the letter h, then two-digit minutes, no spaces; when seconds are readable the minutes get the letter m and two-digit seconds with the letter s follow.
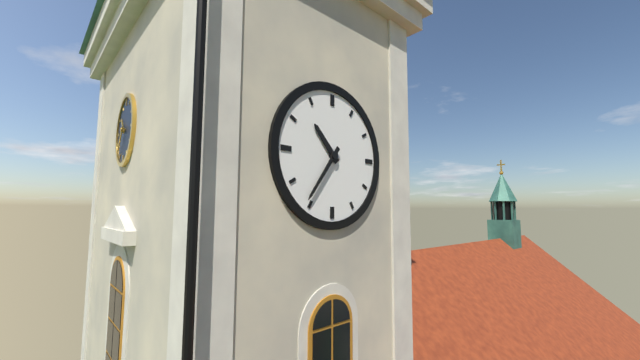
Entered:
10h36
